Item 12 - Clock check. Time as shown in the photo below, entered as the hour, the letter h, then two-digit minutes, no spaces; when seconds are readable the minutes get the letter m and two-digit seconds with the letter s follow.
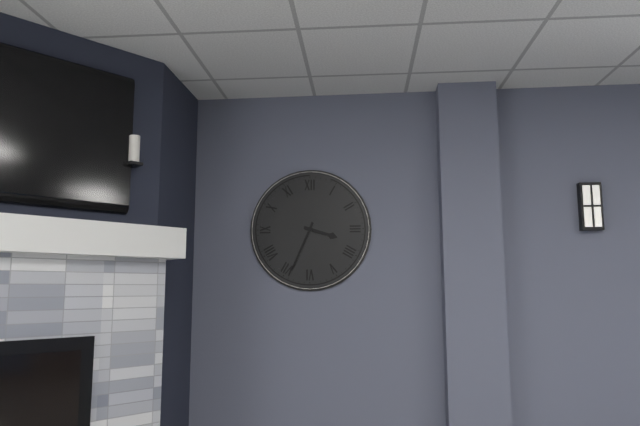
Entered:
3h34
